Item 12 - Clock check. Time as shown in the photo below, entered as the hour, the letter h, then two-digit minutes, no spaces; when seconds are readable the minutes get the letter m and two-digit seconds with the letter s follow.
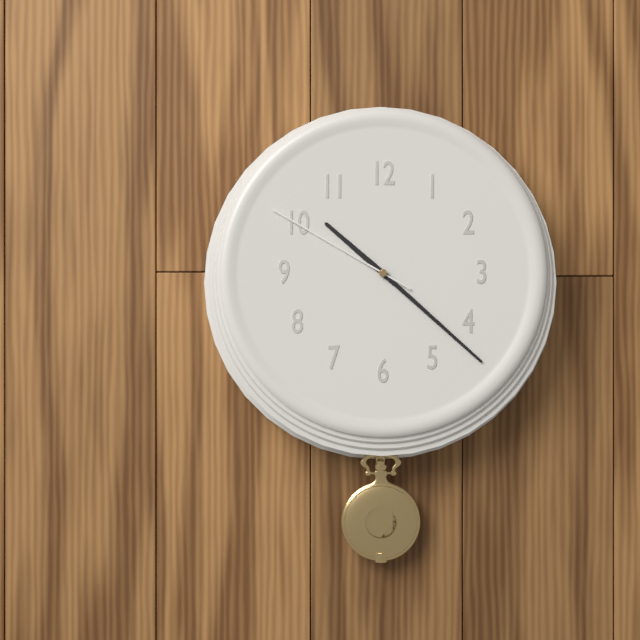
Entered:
10h22m50s
